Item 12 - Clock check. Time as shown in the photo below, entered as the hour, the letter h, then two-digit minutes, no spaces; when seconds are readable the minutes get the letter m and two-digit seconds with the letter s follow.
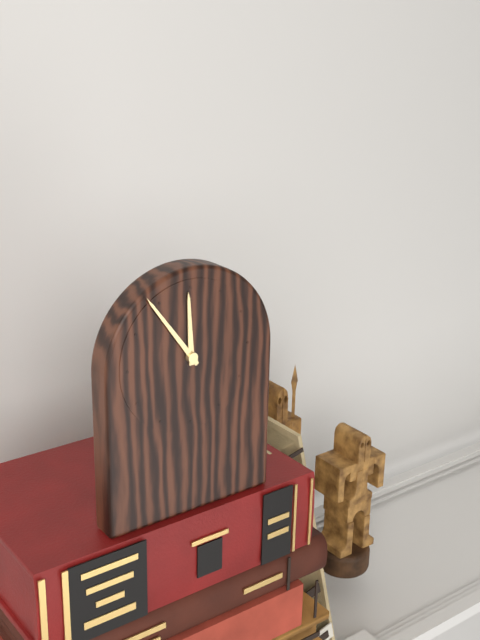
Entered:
11h54
